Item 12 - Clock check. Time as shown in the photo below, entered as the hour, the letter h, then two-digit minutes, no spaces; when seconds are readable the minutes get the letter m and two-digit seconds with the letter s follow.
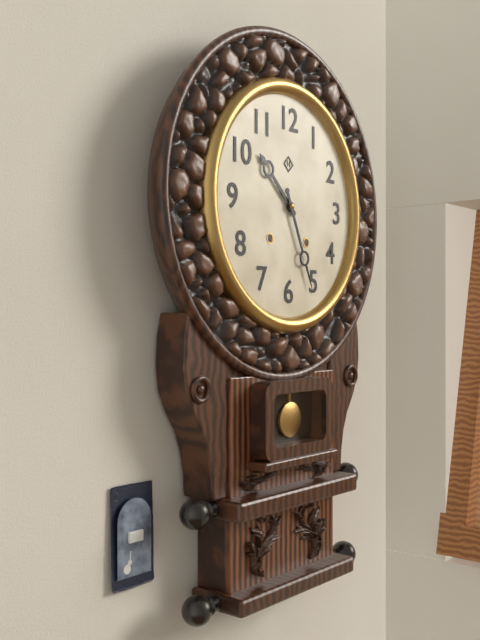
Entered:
10h26
